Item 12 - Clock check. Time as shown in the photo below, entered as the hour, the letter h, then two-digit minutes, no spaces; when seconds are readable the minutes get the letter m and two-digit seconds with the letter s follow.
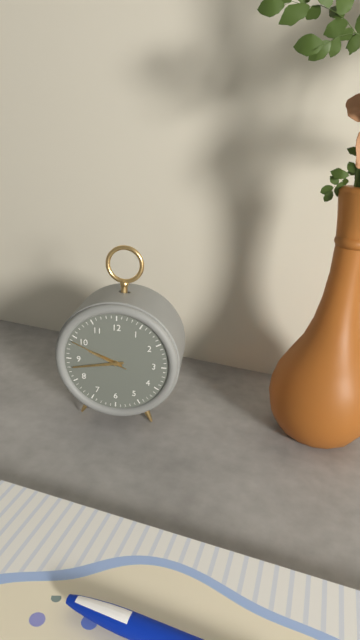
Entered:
9h43m49s
